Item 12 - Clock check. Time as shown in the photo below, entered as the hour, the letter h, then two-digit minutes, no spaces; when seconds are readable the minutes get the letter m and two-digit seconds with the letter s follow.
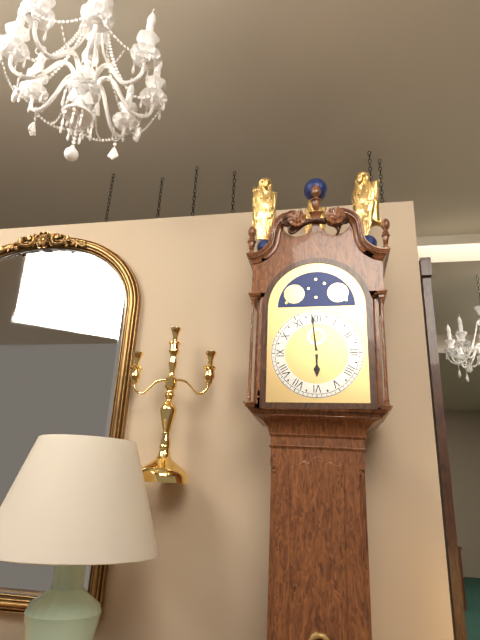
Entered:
5h59
